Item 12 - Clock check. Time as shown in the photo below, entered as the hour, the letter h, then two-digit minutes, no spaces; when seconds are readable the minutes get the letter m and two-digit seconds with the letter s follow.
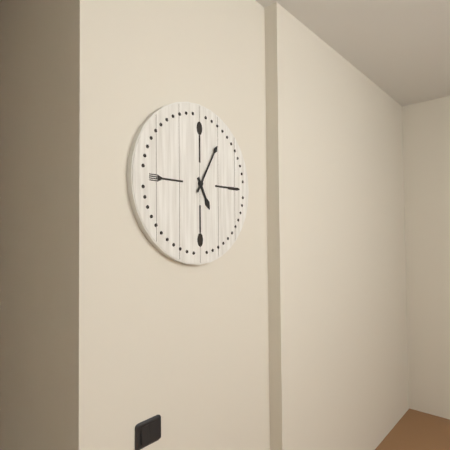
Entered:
5h05
